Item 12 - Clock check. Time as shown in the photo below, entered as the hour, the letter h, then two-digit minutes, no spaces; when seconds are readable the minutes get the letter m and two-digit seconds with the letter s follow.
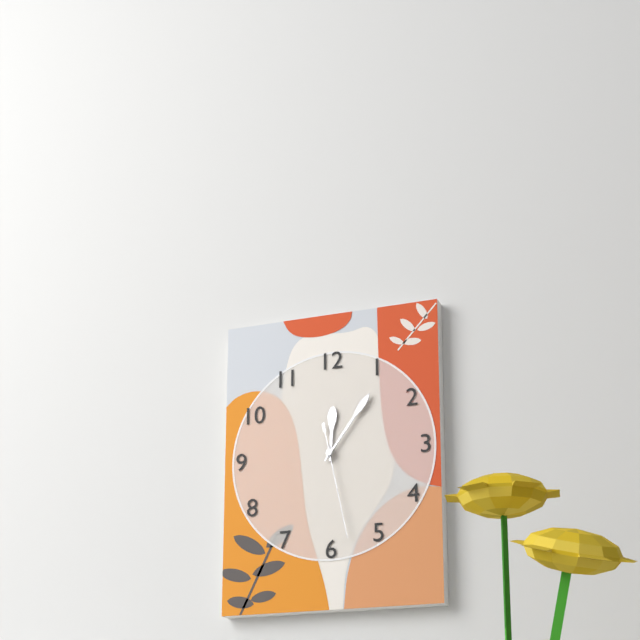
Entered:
12h06m28s
